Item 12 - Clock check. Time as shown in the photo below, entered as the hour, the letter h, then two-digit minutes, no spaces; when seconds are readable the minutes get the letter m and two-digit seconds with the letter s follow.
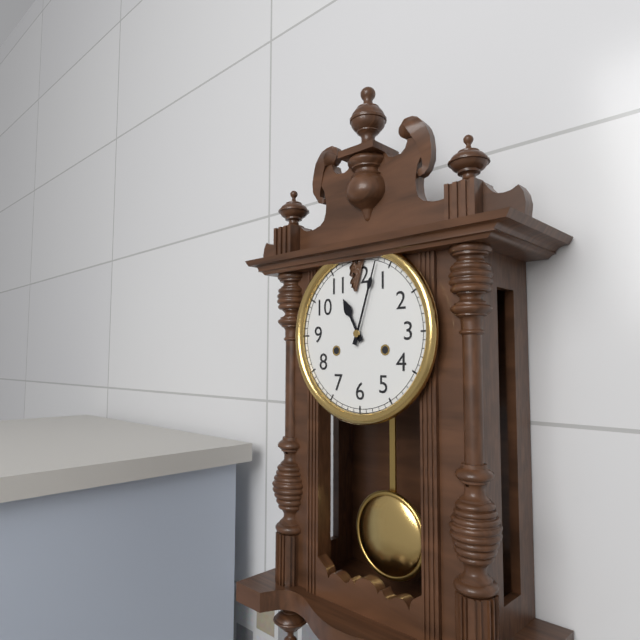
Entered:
11h03
